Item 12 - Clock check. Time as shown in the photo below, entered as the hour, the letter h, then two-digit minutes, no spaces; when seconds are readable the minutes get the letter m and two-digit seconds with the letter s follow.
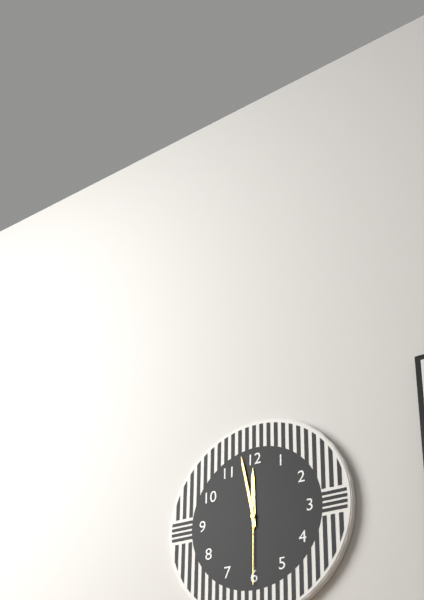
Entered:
11h58m30s
